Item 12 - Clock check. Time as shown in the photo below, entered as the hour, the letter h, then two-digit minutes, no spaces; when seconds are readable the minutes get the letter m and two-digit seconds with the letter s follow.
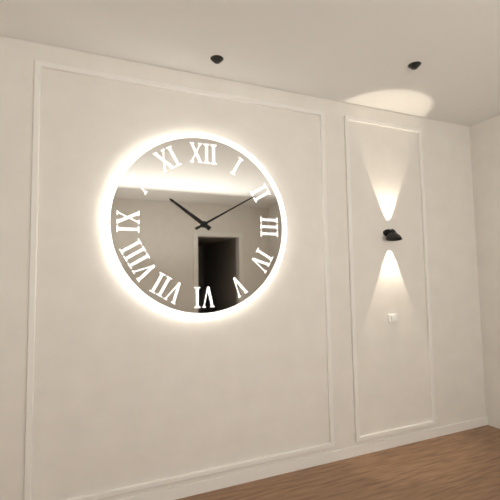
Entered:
10h10
